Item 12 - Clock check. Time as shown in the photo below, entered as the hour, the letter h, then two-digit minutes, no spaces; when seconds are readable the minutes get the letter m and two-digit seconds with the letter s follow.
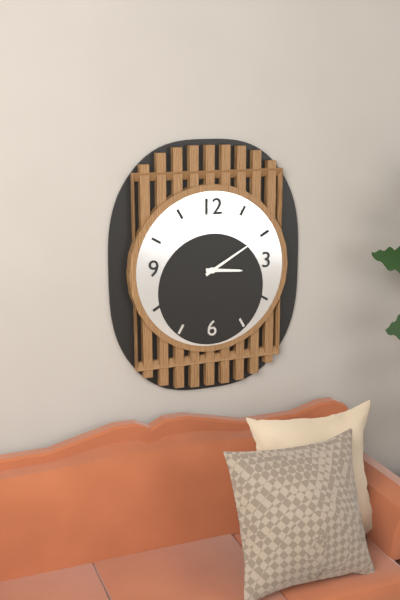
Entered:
3h10
